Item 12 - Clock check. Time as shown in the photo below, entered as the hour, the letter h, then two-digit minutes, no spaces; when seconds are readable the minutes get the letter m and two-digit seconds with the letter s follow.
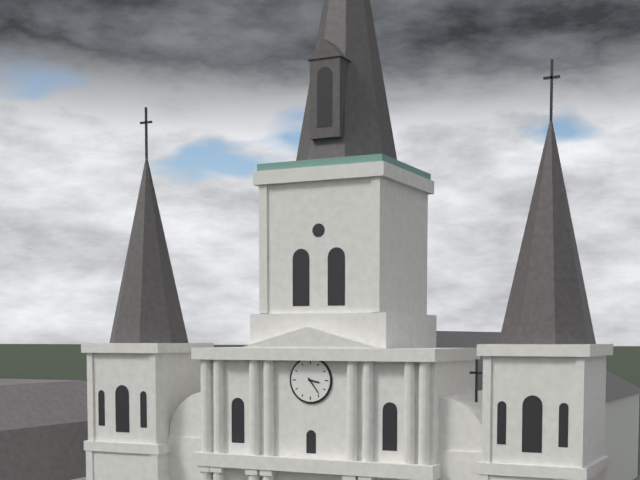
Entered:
3h24
